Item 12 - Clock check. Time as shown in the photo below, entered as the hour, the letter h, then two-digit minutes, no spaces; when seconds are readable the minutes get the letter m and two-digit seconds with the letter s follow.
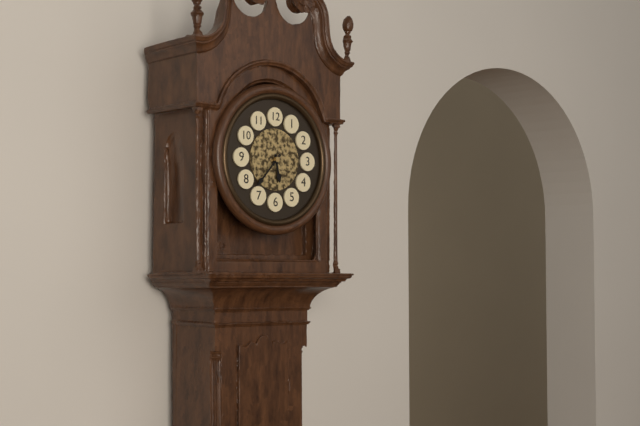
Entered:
5h37
